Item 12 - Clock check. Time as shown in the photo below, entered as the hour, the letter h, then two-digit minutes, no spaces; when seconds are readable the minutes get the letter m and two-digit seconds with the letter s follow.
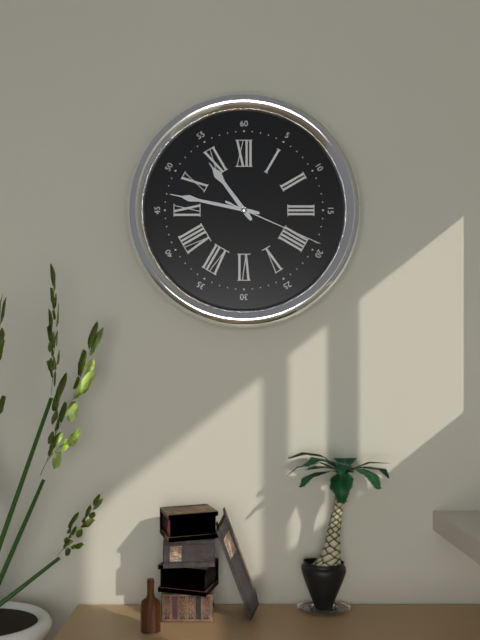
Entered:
10h47m19s
